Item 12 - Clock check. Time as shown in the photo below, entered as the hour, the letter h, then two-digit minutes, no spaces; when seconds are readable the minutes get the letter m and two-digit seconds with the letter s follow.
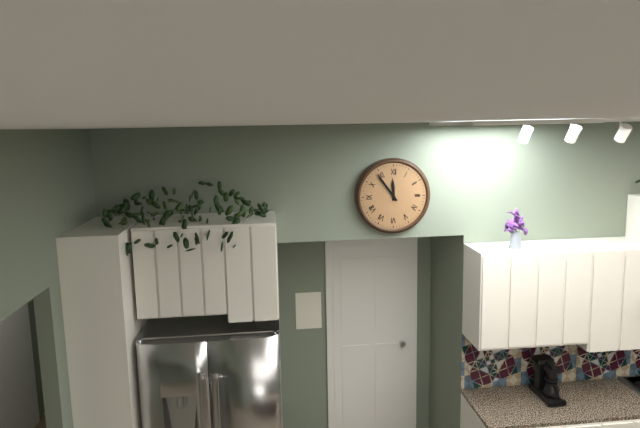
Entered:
11h54
